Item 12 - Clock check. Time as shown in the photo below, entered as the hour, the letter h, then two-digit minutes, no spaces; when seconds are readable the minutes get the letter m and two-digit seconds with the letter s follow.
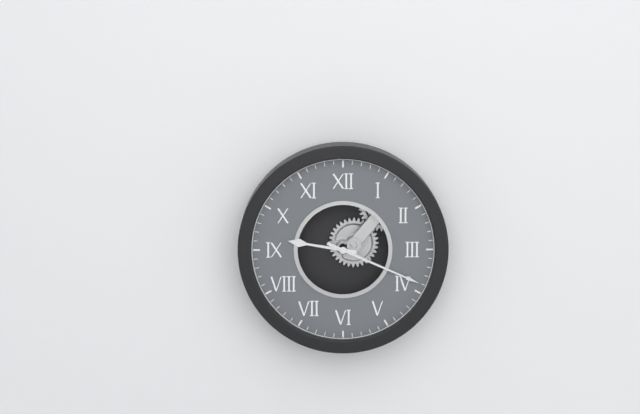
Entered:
9h19
